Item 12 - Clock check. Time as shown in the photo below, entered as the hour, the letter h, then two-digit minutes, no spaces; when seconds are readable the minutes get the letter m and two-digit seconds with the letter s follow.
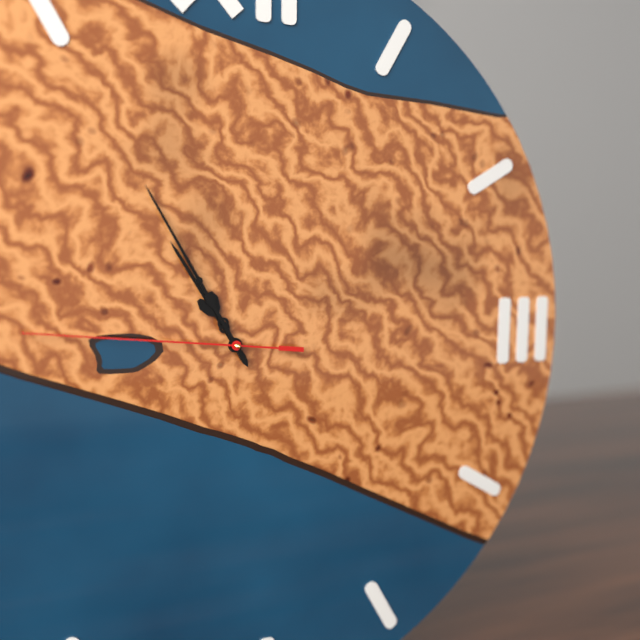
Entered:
10h55m46s
